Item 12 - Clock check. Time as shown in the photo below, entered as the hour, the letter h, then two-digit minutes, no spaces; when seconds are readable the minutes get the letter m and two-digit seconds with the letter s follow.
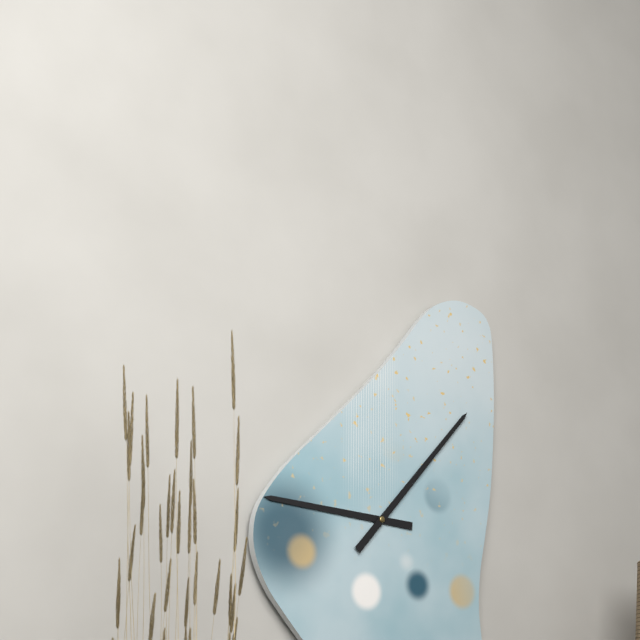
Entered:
9h07
